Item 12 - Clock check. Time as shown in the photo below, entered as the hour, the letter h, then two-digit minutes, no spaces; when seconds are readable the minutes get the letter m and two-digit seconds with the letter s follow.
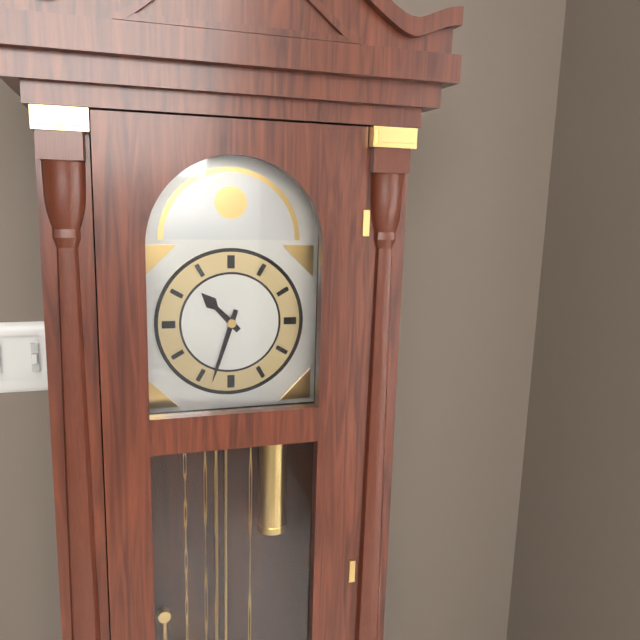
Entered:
10h33
